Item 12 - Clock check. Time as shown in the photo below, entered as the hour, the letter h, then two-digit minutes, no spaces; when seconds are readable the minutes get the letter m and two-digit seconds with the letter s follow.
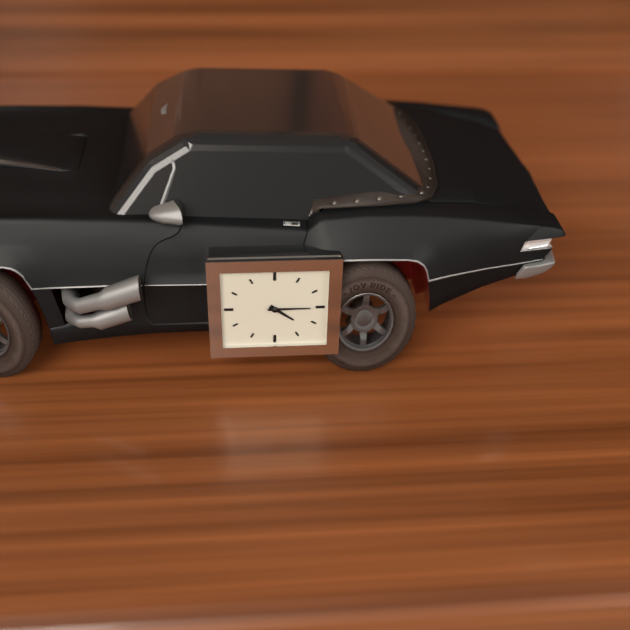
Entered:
4h15
